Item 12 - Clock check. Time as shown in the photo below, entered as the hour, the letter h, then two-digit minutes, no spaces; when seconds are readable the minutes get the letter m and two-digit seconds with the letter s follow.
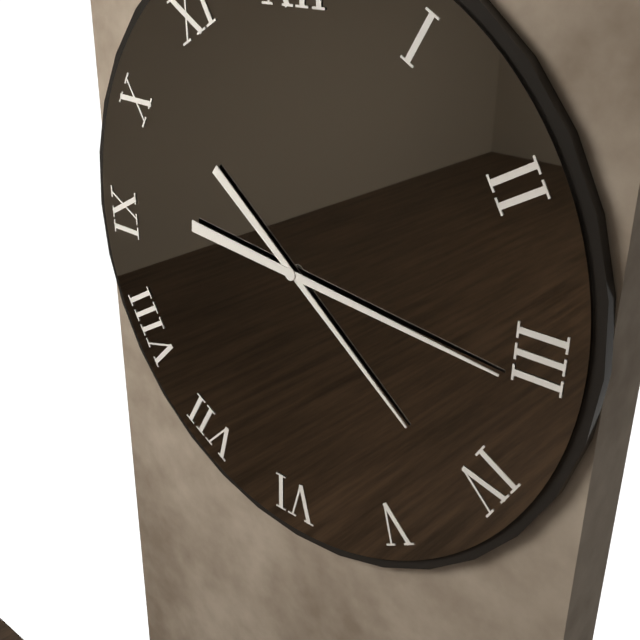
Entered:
4h16
